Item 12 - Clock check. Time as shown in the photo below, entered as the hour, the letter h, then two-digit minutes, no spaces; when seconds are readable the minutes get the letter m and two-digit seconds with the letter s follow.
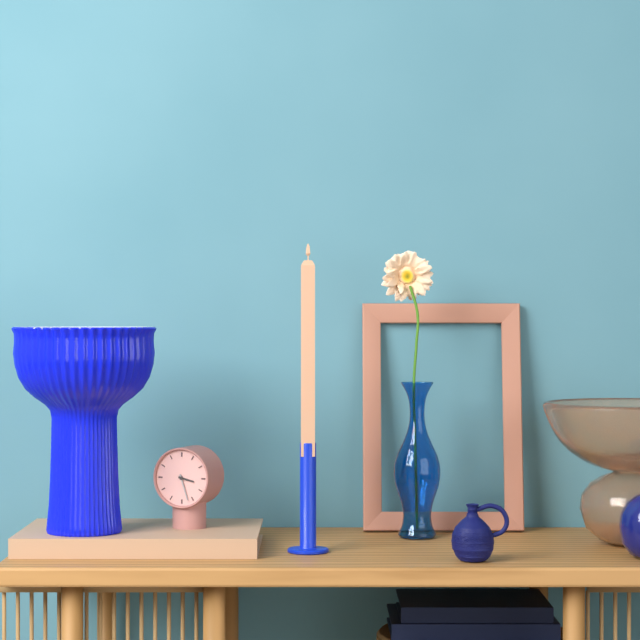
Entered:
3h27
